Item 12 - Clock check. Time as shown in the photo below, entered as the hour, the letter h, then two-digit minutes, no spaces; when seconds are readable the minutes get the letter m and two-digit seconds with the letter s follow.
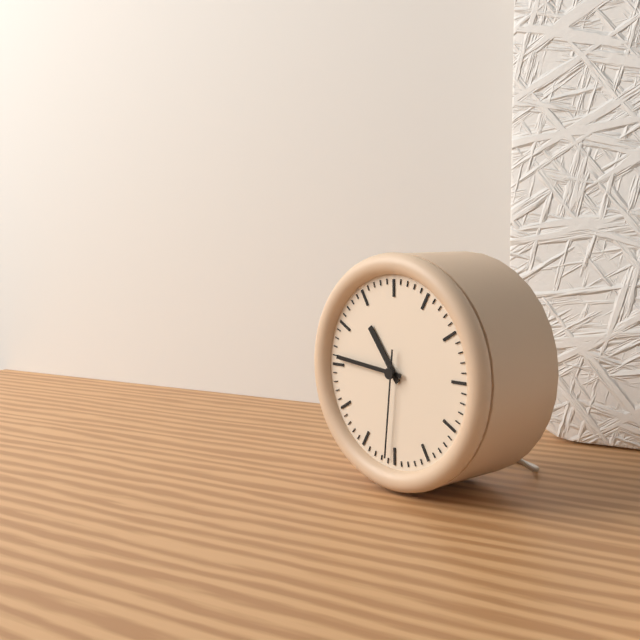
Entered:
10h46m31s
